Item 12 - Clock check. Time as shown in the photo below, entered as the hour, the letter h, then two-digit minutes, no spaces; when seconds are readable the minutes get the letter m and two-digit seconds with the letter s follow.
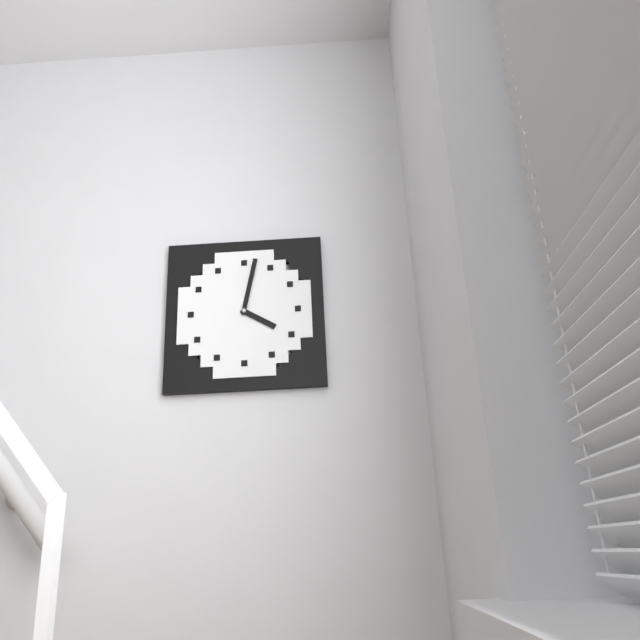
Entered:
4h02
